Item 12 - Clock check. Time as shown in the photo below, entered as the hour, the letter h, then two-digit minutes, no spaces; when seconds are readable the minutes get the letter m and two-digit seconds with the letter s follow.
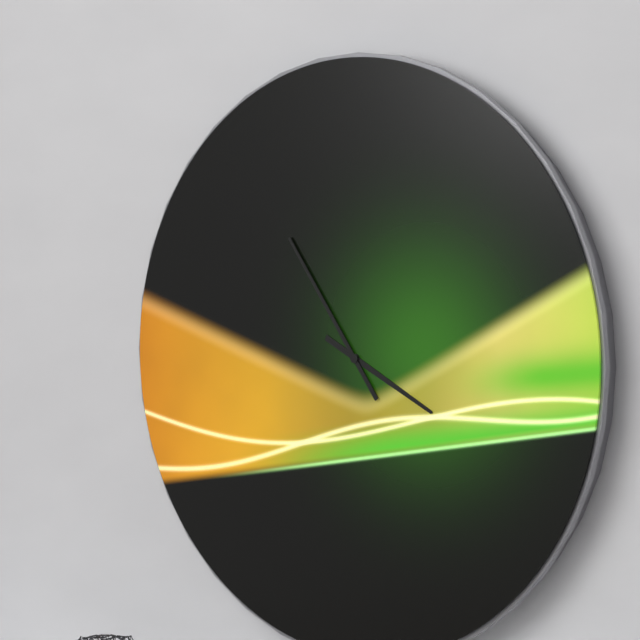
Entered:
3h54
